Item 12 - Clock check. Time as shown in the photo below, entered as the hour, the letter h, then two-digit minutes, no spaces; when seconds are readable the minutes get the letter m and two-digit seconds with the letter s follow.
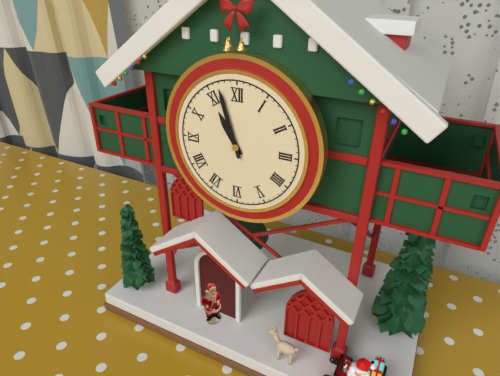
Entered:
10h57
